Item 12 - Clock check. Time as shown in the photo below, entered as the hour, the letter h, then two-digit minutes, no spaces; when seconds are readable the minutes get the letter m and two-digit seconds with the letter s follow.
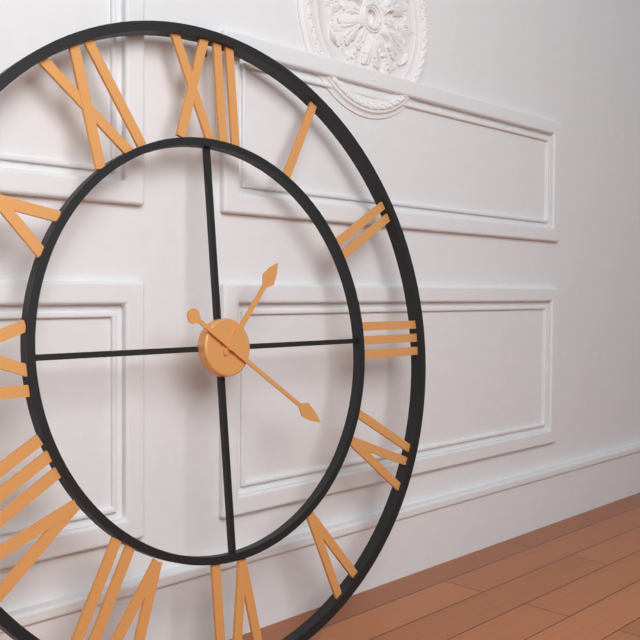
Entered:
1h21
